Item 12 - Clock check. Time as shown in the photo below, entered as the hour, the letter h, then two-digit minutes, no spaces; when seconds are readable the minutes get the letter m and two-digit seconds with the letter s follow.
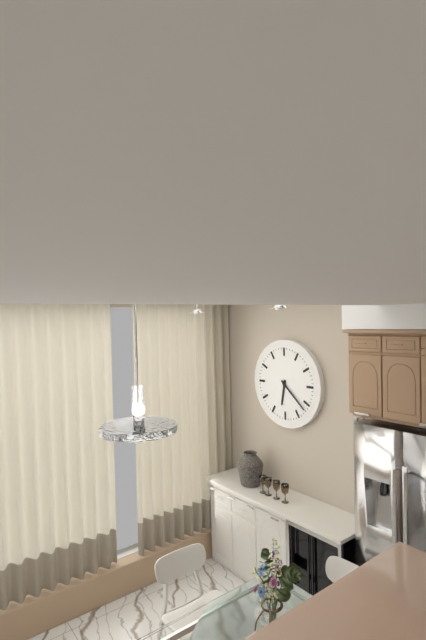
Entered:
6h22
